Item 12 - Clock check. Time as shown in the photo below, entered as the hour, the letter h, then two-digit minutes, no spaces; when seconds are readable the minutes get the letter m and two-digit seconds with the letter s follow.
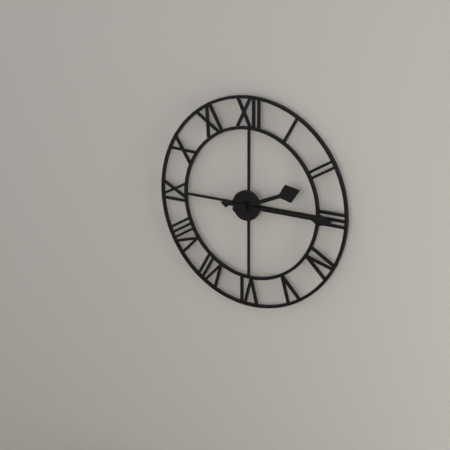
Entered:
2h15
